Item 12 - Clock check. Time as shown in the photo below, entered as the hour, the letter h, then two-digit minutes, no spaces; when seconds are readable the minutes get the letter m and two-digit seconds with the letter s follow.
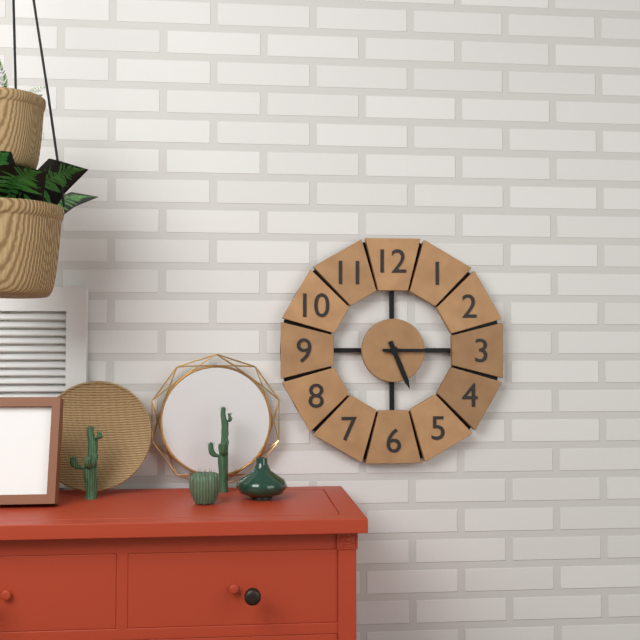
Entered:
5h15
